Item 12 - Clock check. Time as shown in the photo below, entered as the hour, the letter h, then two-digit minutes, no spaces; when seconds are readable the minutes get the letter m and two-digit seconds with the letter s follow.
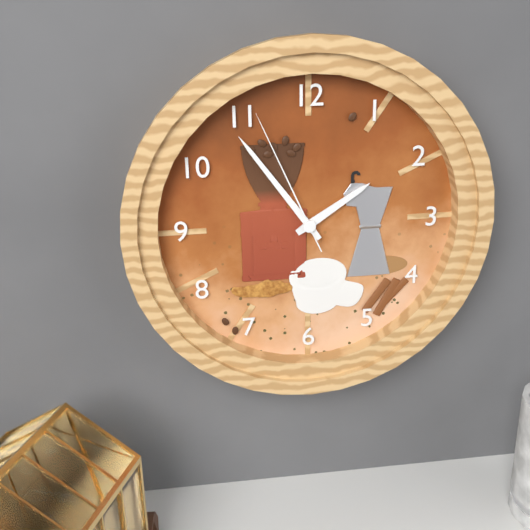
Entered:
1h54m56s
